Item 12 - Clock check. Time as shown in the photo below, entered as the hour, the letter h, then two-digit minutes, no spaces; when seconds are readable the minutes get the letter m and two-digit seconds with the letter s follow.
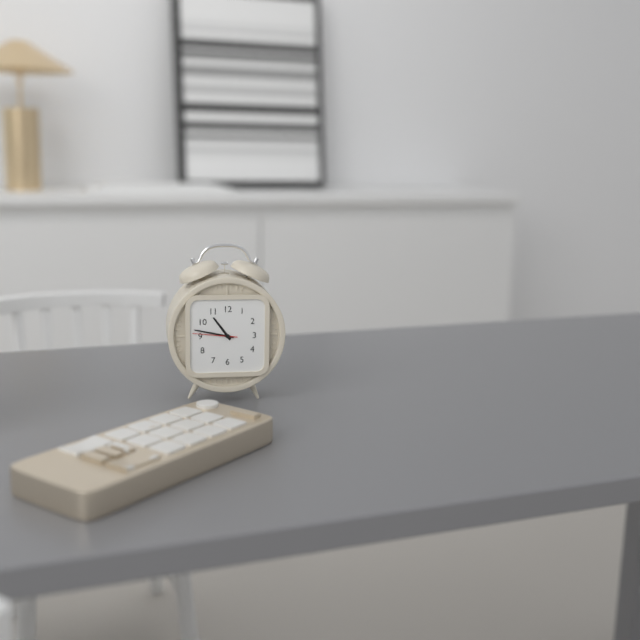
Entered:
10h47
